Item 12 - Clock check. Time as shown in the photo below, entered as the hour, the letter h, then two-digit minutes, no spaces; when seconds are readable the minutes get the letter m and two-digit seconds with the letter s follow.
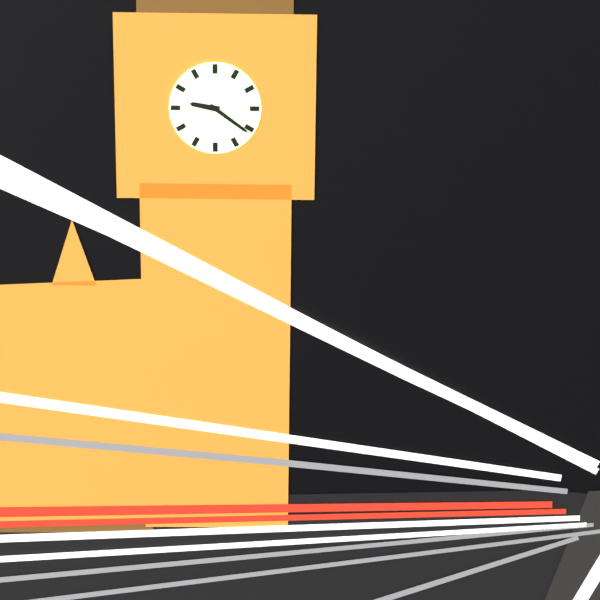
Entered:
9h21
